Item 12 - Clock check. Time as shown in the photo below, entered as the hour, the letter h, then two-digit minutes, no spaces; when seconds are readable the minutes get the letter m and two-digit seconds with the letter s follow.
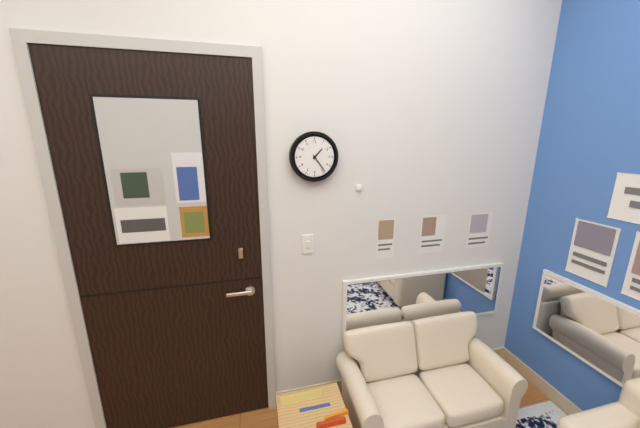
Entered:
1h24
